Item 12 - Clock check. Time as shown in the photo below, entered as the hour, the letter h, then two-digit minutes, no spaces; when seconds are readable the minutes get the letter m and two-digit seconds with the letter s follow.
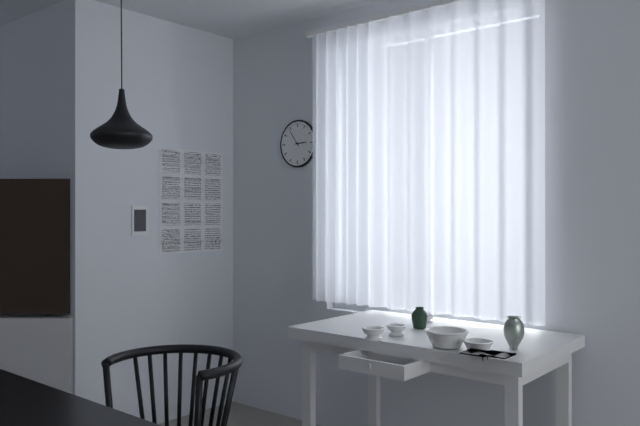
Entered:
2h54
